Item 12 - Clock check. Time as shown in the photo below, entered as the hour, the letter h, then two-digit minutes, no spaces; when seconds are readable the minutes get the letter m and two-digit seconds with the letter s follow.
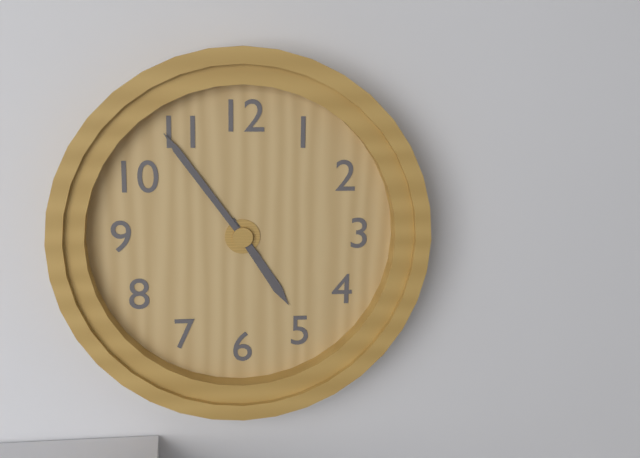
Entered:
4h54
